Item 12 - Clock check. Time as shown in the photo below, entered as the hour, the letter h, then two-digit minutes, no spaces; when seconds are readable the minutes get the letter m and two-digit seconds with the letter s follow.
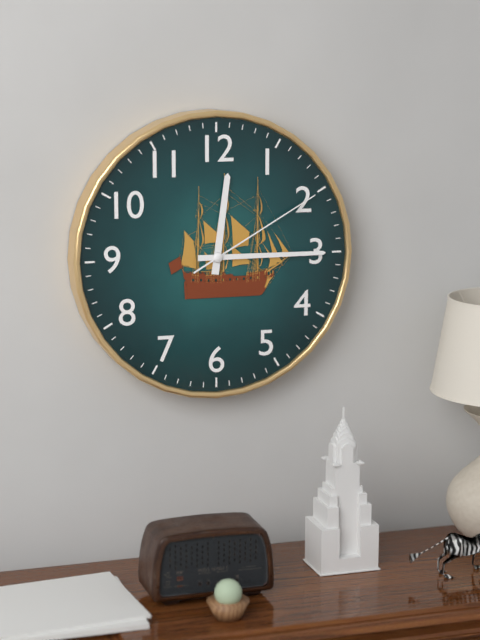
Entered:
12h15m10s
